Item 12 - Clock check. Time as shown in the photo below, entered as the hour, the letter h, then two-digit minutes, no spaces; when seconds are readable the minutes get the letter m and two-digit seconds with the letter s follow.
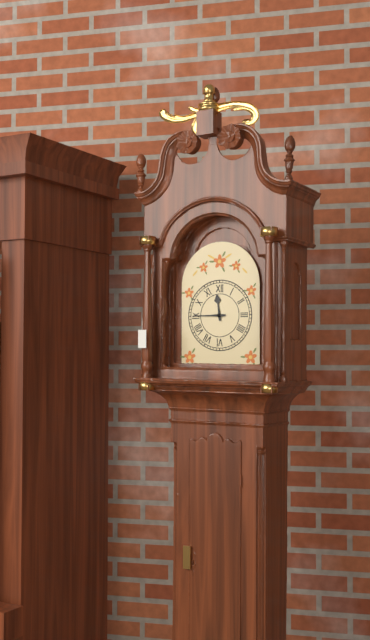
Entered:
11h45
